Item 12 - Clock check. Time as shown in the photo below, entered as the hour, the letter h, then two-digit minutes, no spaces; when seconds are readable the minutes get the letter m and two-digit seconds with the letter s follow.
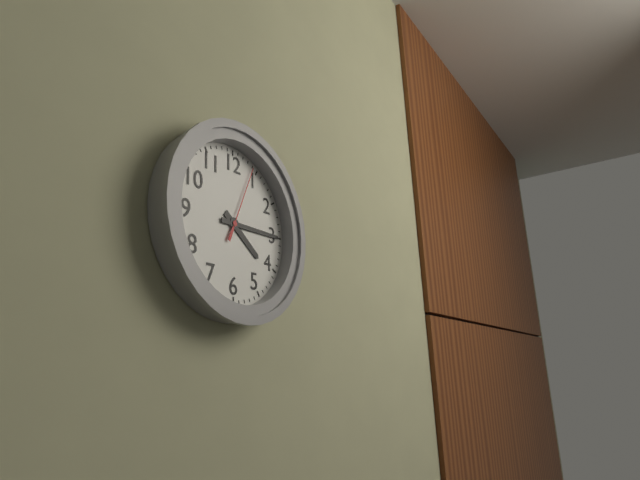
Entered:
4h15m04s
